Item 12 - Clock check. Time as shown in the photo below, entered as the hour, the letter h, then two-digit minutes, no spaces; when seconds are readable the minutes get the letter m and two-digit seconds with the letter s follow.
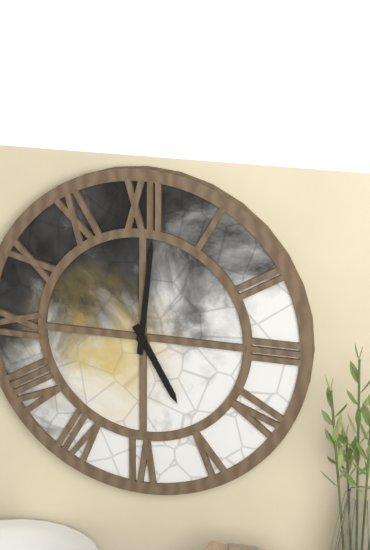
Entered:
5h01
